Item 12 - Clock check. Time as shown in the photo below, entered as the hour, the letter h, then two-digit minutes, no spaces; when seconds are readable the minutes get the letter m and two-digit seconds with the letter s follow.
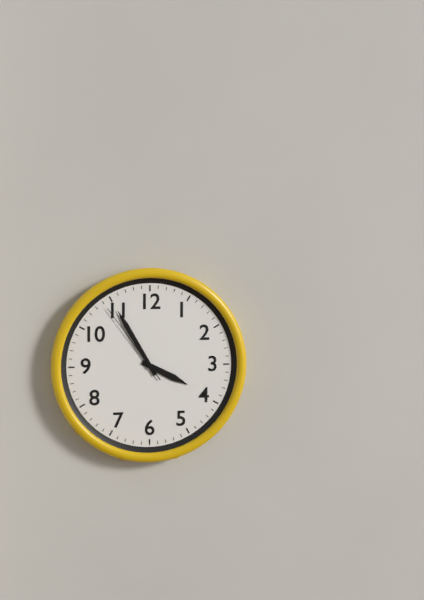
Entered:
3h55m54s
